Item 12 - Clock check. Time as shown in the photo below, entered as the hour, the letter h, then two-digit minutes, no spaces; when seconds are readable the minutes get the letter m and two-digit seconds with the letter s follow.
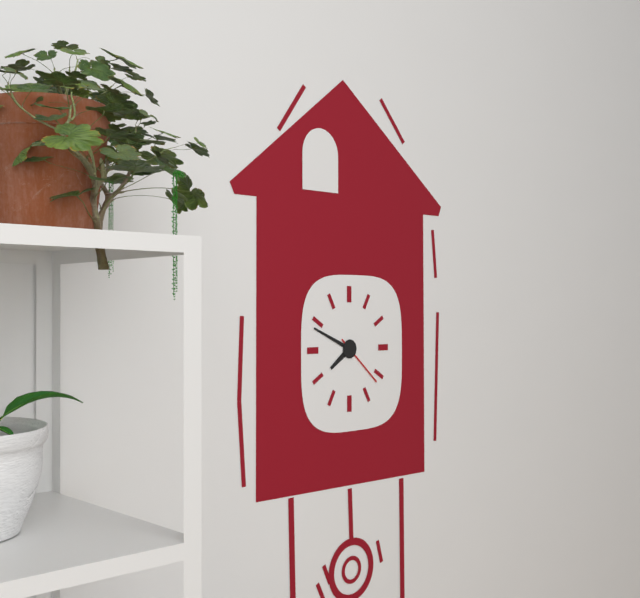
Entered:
7h49m22s
